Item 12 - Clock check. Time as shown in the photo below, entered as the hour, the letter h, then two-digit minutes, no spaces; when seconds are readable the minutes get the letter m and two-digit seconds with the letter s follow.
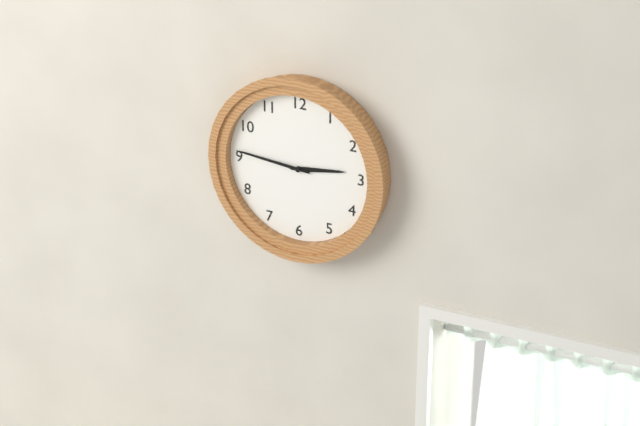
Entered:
2h46
